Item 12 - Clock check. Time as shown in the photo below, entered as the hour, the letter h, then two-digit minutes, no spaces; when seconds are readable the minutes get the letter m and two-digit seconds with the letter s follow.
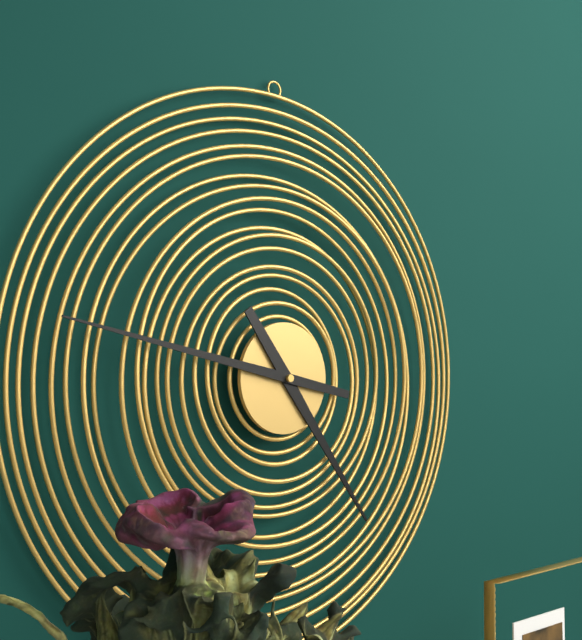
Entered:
4h47
